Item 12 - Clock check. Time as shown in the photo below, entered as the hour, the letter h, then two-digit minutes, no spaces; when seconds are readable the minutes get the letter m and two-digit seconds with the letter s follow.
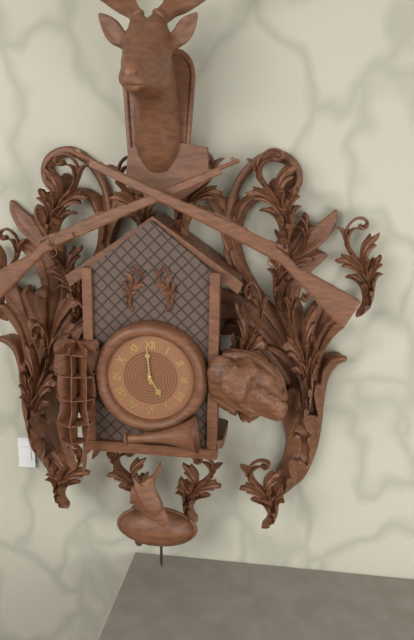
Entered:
4h59
